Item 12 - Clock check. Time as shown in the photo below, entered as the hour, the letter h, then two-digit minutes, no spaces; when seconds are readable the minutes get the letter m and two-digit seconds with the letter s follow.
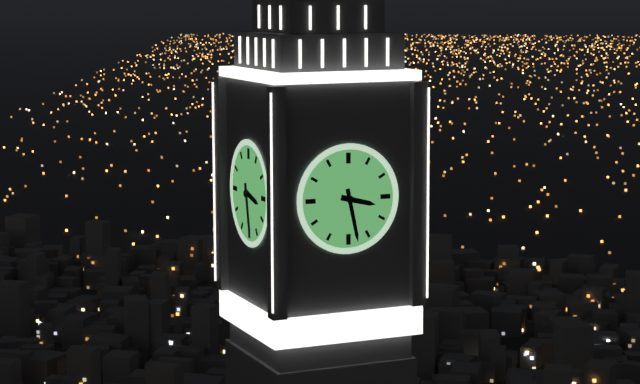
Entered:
3h28
